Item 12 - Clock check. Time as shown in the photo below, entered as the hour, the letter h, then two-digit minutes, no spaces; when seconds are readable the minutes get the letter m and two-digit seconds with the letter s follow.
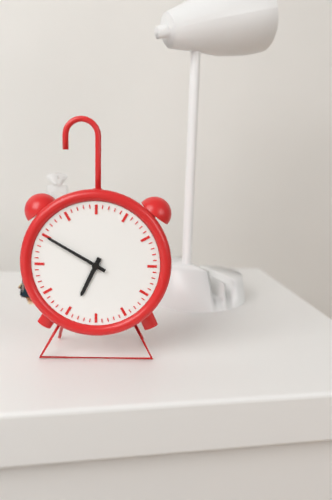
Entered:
6h50
